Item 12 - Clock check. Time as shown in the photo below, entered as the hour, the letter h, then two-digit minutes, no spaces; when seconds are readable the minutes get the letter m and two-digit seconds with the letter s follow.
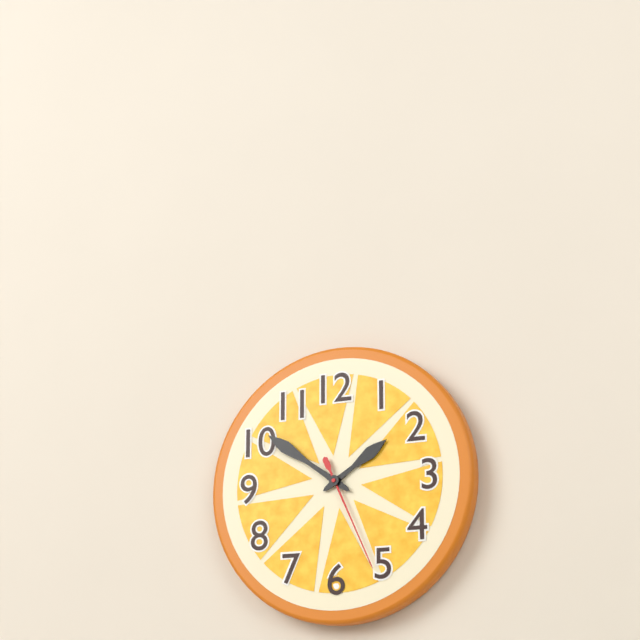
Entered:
1h51m26s
